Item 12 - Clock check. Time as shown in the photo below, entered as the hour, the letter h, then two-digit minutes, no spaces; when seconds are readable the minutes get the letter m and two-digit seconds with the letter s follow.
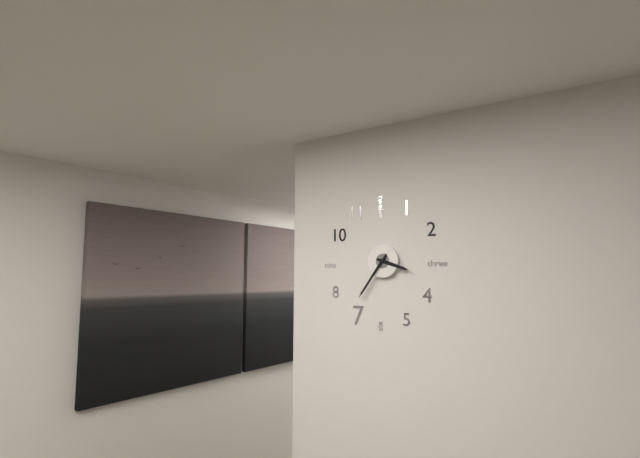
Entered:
3h36
